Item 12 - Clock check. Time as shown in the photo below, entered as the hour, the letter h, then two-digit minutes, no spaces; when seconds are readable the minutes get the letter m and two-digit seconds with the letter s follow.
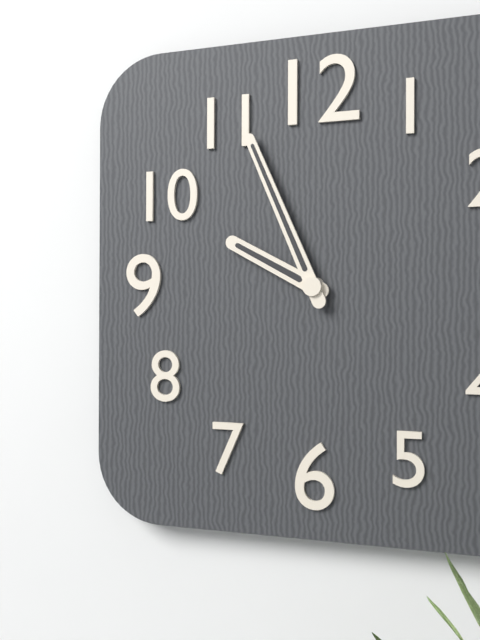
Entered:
9h56
